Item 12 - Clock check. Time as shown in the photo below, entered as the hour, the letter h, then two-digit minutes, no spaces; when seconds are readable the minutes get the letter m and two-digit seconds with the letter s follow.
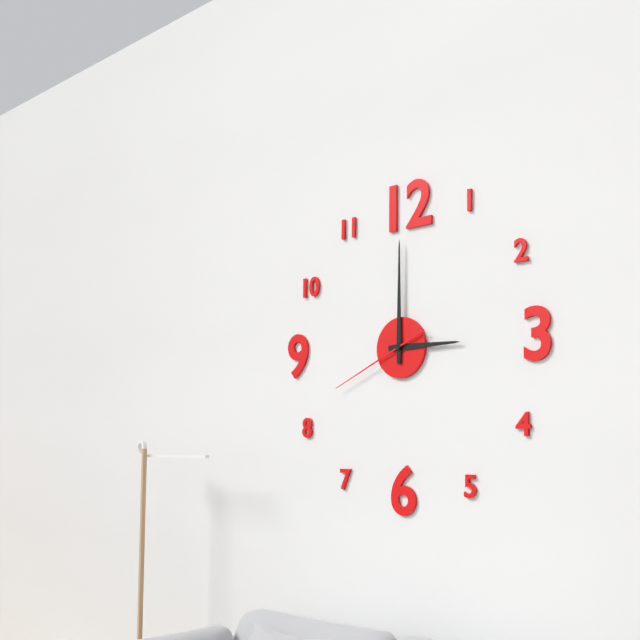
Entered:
3h00m41s
